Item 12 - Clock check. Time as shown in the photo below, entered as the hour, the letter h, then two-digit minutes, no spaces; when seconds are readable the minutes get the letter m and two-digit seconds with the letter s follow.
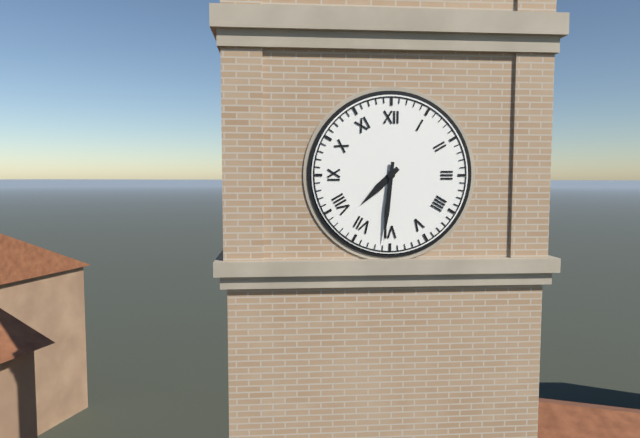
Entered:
7h31
